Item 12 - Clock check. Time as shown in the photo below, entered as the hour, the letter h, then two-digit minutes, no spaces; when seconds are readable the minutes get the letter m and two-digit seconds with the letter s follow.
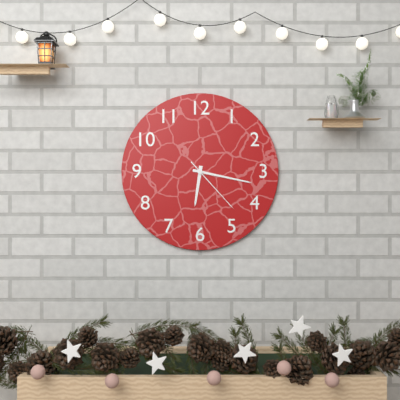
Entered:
6h17m23s
